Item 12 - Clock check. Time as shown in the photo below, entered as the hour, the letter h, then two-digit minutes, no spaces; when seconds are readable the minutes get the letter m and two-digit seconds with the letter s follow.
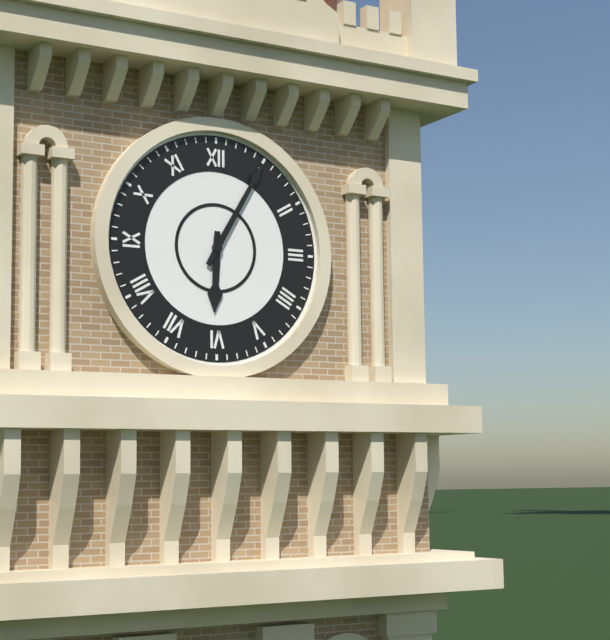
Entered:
6h05
